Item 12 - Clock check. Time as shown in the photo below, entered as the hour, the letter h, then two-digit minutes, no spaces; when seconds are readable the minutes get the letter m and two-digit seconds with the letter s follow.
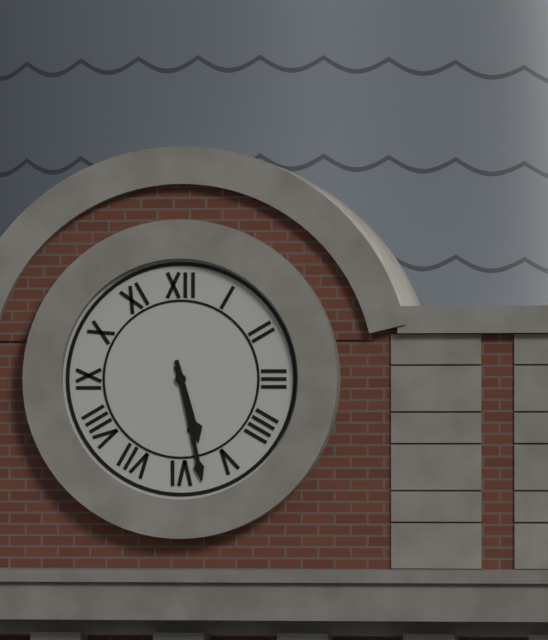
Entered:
5h28
